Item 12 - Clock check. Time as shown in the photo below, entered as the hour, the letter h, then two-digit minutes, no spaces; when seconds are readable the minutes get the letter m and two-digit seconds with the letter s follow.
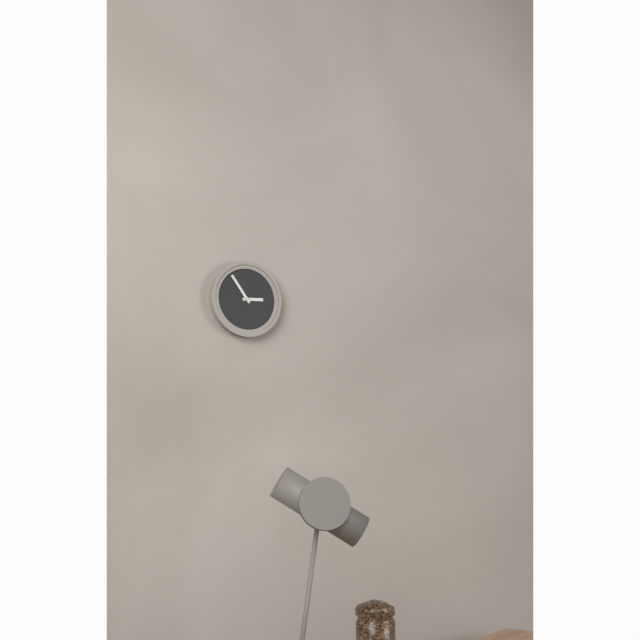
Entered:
2h54
